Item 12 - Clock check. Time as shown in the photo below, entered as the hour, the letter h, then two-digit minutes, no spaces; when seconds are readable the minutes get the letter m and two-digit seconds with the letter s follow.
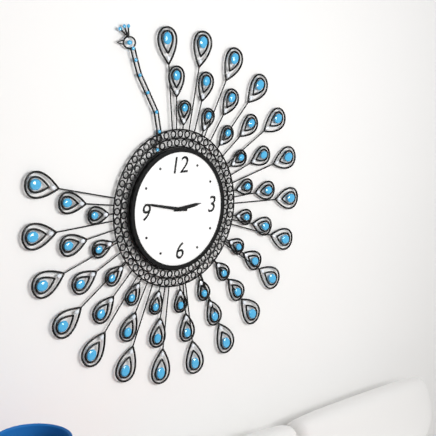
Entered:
2h47
